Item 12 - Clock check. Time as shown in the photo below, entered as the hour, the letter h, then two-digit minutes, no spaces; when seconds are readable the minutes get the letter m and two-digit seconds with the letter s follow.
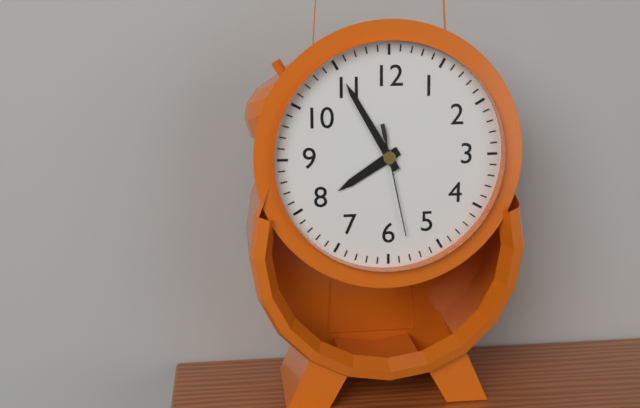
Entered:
7h55m28s
